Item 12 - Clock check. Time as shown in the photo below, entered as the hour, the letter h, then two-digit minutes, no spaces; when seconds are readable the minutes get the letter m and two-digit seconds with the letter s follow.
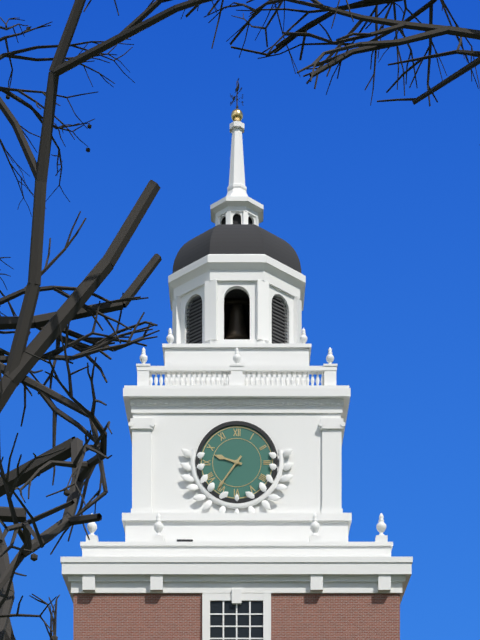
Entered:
9h36
